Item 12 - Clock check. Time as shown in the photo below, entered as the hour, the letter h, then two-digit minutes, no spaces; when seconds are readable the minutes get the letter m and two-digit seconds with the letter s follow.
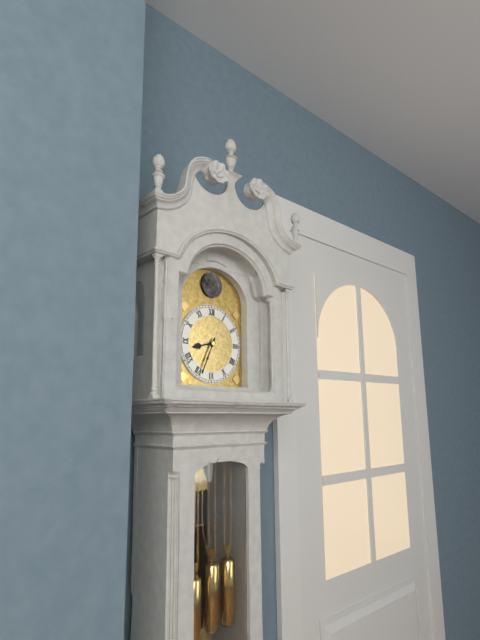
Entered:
8h34
